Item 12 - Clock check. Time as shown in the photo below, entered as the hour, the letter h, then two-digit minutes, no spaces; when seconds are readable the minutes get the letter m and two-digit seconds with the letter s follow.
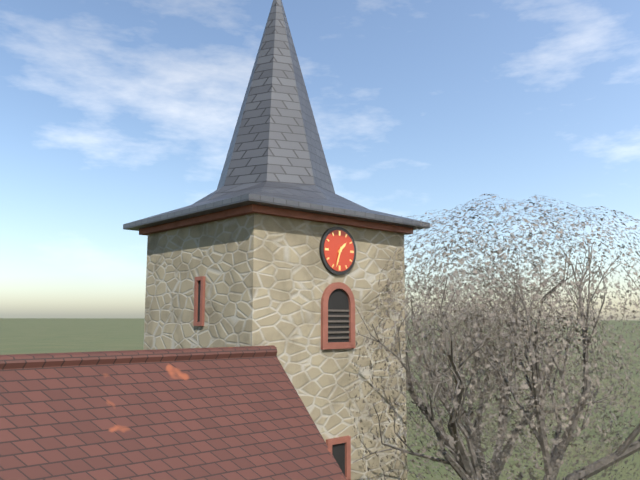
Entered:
1h33
